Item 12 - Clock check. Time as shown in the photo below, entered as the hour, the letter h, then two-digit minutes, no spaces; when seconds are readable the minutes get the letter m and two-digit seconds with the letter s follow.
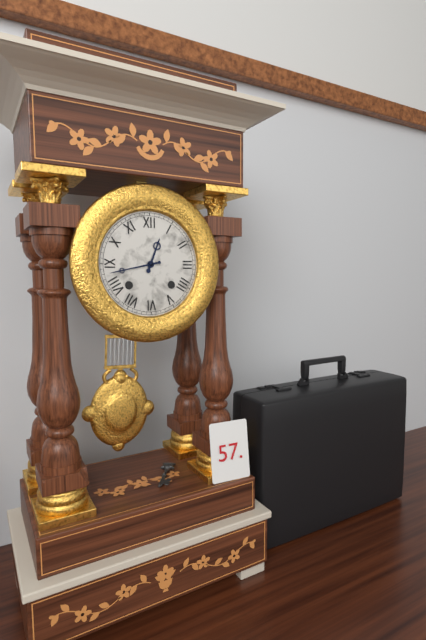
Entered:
12h43
